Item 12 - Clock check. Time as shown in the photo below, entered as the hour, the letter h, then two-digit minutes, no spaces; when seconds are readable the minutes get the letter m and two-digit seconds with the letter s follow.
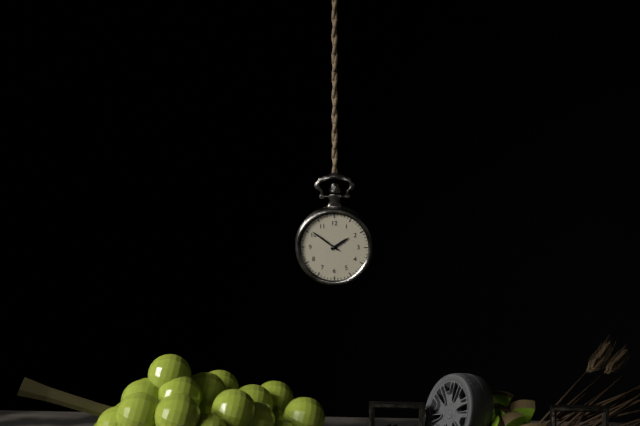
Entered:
1h51
